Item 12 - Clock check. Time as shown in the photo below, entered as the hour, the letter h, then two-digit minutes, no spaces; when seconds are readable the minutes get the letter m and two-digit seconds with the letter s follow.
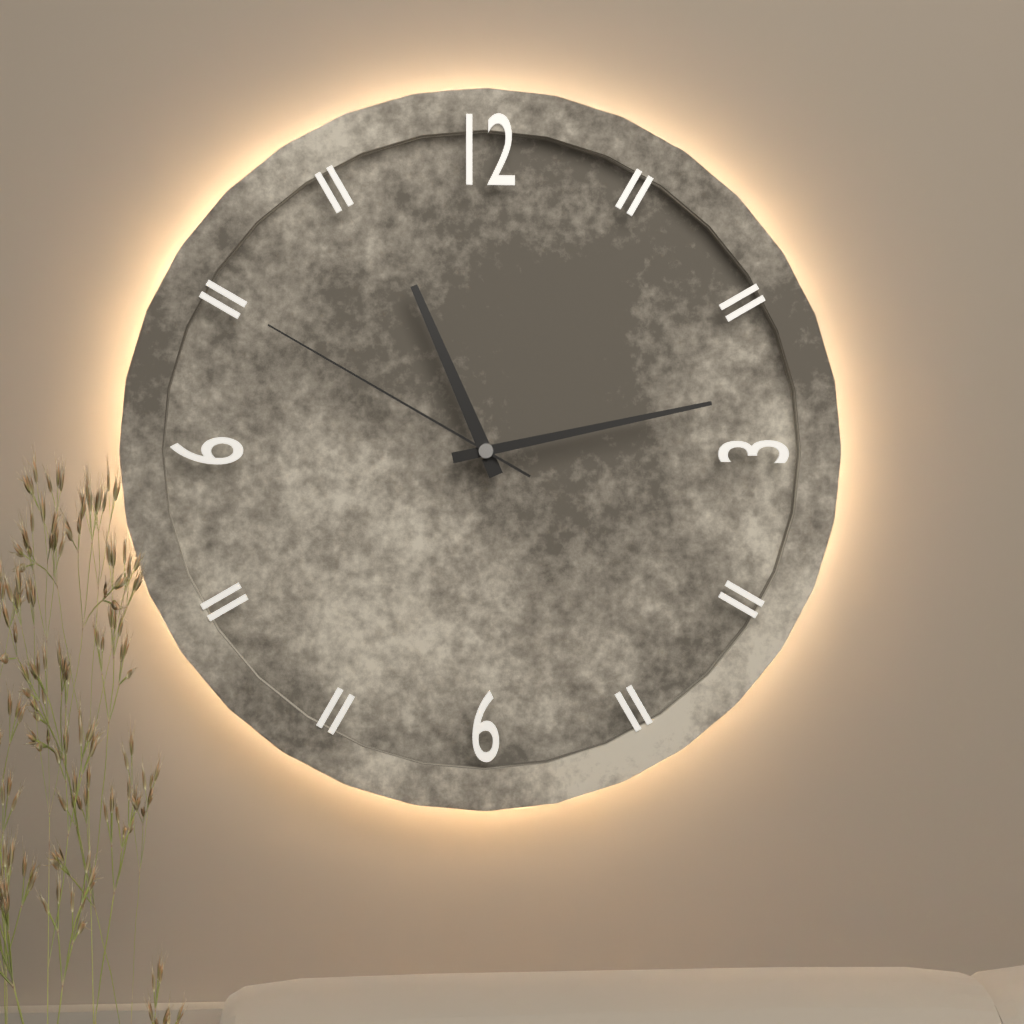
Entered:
11h13m50s
